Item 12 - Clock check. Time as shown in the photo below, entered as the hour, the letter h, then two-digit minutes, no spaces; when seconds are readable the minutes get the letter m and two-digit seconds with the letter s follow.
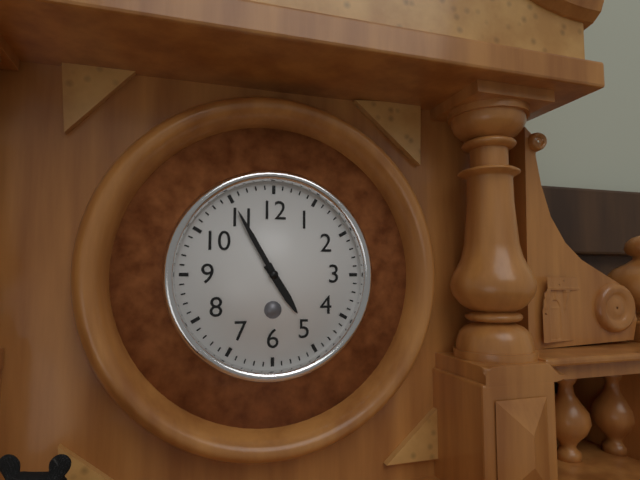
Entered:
4h55
